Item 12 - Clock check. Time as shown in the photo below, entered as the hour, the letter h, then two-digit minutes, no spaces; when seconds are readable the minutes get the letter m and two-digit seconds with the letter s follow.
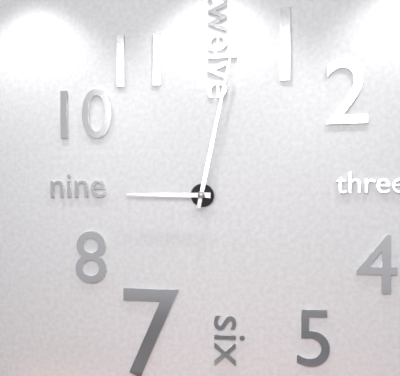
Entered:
9h02
